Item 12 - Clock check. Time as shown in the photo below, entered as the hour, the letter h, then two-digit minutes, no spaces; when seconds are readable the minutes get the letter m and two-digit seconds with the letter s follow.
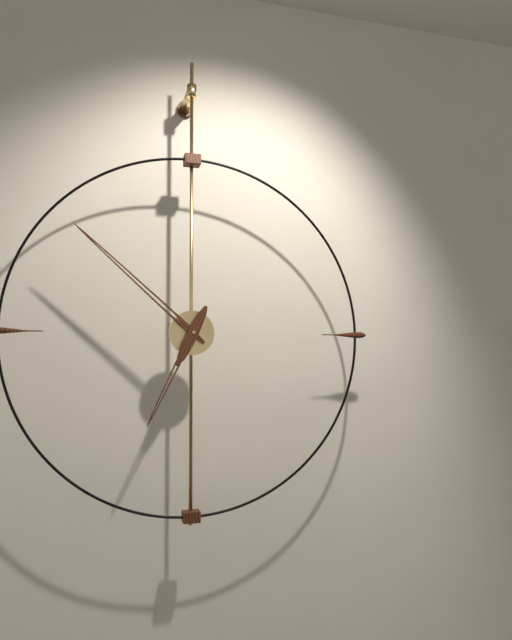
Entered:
6h52
